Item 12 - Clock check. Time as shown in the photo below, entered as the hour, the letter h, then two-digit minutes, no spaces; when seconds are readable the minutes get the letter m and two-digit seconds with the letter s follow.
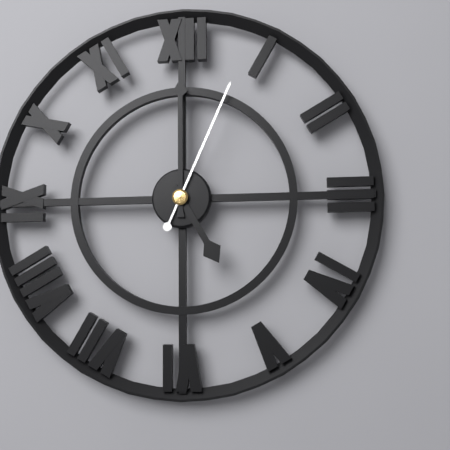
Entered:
5h00m04s
